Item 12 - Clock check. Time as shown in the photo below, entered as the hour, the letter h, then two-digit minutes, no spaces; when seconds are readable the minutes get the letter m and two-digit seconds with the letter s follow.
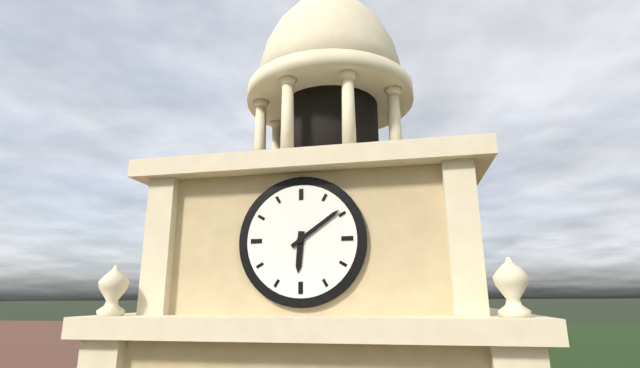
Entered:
6h09
